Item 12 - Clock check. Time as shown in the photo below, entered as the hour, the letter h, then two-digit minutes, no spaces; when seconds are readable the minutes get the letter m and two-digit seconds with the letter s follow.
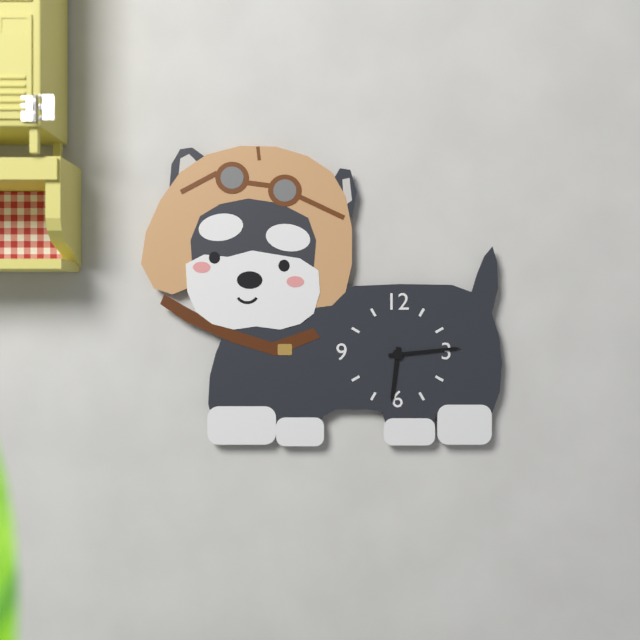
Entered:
6h14
